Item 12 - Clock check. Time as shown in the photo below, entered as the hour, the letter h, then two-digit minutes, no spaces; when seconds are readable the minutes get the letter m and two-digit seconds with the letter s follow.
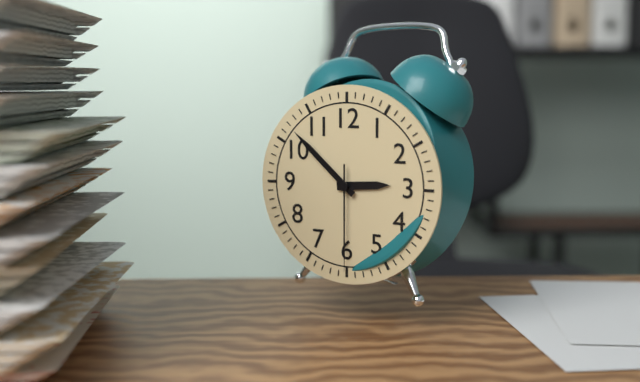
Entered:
2h52m30s
